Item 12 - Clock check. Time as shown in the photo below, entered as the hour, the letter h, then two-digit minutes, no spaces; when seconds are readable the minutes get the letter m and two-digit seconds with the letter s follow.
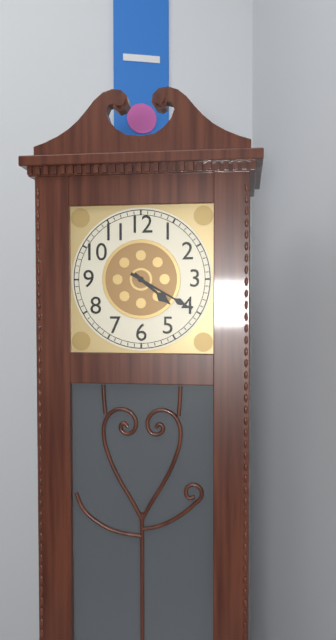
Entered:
4h20
